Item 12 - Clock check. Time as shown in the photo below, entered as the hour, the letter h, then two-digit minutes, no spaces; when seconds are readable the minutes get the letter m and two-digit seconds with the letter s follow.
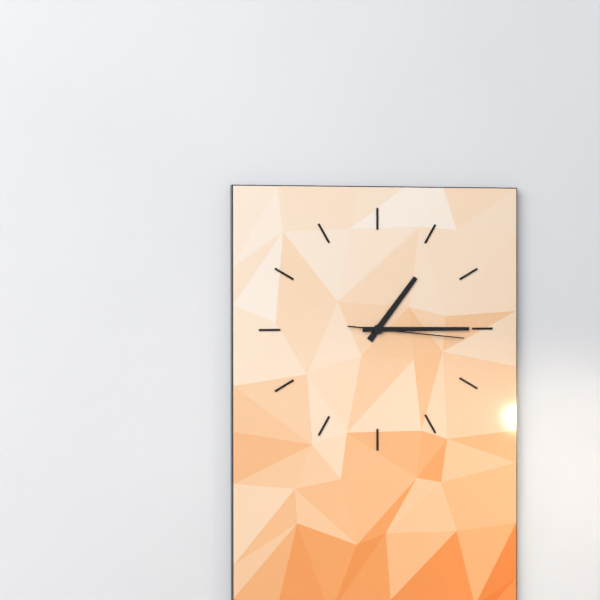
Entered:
1h15m16s
